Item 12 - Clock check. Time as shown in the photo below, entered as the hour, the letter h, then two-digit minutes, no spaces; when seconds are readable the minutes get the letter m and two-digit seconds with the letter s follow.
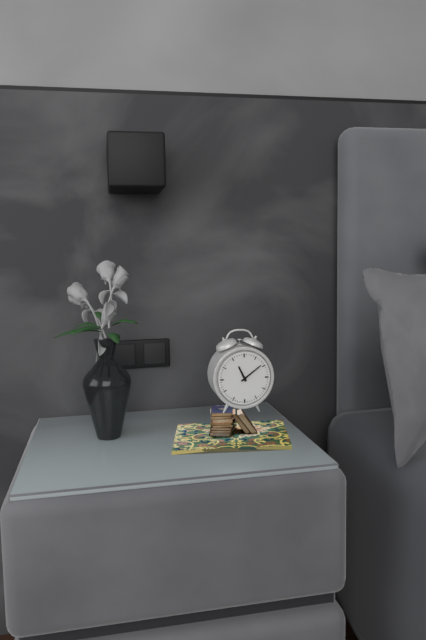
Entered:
11h09
